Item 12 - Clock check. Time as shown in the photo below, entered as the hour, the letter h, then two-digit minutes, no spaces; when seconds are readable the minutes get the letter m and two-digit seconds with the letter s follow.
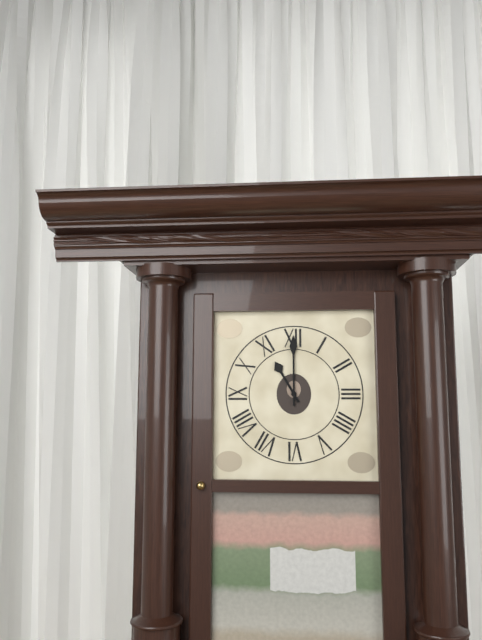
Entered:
11h00
